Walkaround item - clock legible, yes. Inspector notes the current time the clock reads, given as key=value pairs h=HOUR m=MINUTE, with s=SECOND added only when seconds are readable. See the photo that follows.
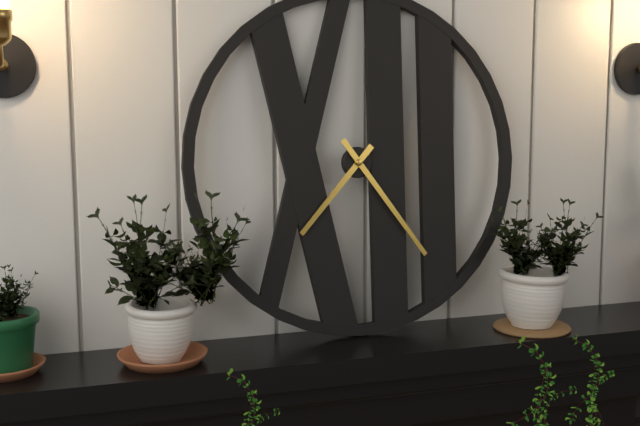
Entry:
h=7 m=24
